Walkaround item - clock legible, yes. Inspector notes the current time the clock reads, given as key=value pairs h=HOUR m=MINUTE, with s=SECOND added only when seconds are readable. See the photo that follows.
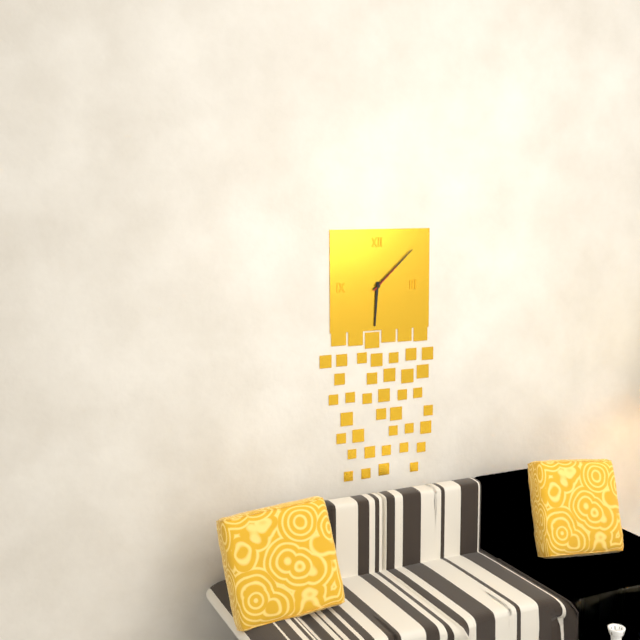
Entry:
h=6 m=8
